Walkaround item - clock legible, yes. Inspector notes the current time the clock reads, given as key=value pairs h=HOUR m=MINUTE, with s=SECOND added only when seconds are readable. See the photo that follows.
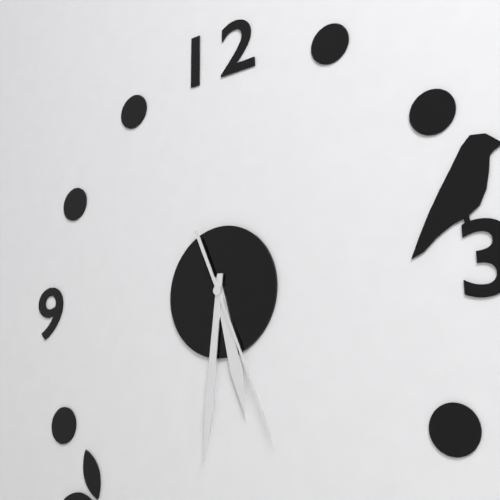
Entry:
h=5 m=31 s=26
